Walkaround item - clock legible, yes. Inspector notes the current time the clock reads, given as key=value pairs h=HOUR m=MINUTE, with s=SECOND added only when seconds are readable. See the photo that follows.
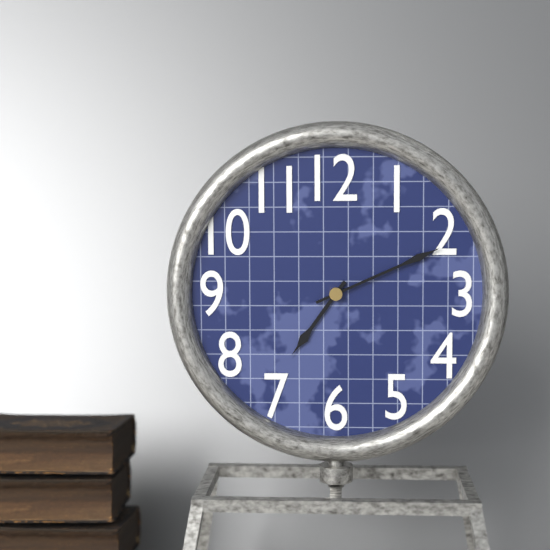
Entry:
h=7 m=11
